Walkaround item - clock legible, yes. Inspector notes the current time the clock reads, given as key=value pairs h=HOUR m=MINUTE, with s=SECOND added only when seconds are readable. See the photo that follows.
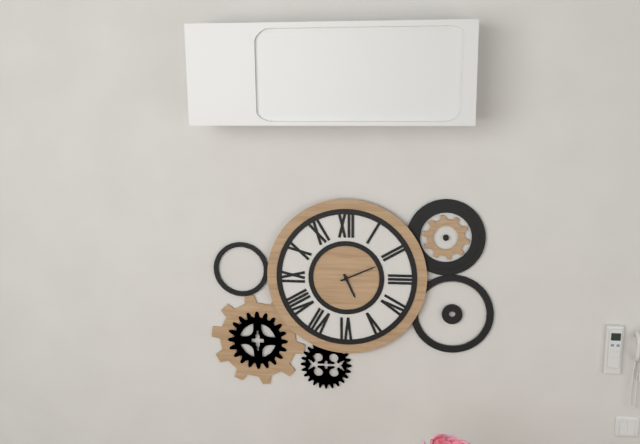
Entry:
h=5 m=11
